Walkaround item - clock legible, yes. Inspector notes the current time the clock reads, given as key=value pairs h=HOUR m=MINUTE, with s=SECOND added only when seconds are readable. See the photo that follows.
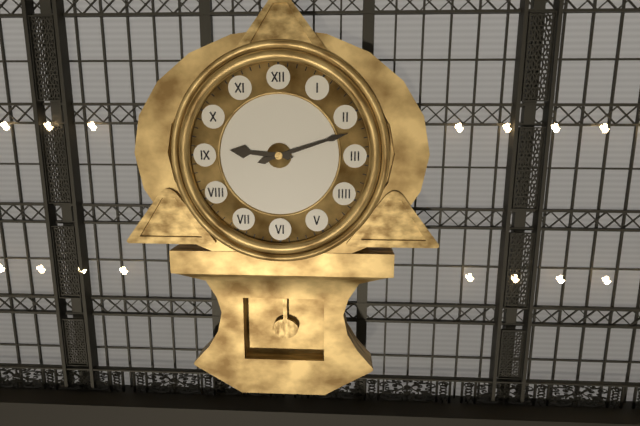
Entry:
h=9 m=12
